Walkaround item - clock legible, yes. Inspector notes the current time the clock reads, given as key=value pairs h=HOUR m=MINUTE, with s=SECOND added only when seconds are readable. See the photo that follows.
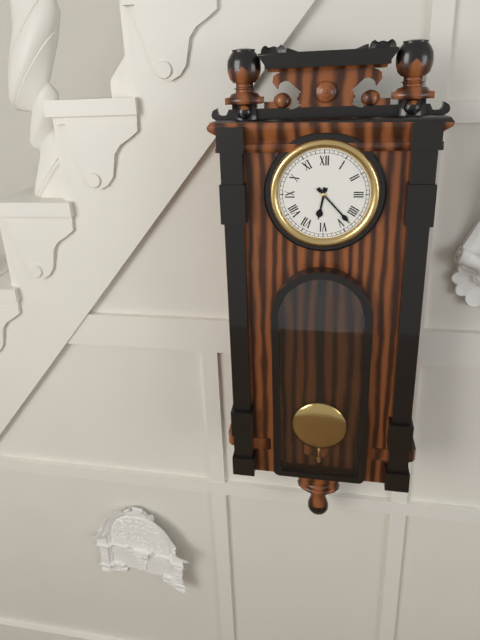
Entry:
h=6 m=23
